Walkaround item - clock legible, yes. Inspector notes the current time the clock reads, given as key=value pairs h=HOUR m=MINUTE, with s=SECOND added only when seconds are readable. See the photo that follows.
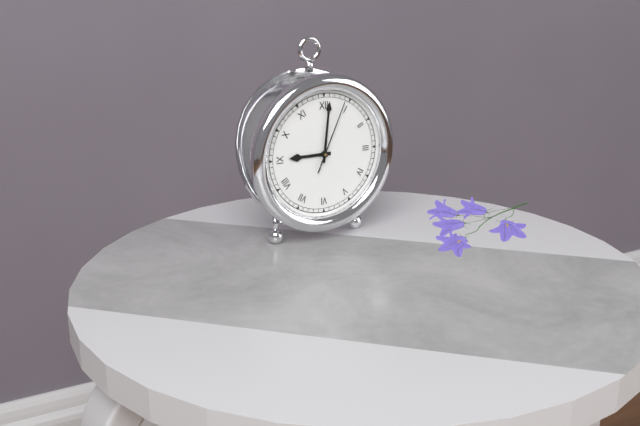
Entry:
h=9 m=1 s=4
